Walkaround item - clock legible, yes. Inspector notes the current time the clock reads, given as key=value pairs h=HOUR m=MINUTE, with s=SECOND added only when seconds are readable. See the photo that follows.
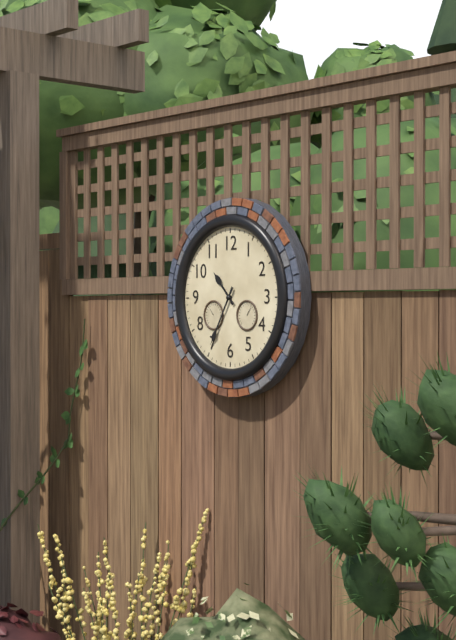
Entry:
h=10 m=35
